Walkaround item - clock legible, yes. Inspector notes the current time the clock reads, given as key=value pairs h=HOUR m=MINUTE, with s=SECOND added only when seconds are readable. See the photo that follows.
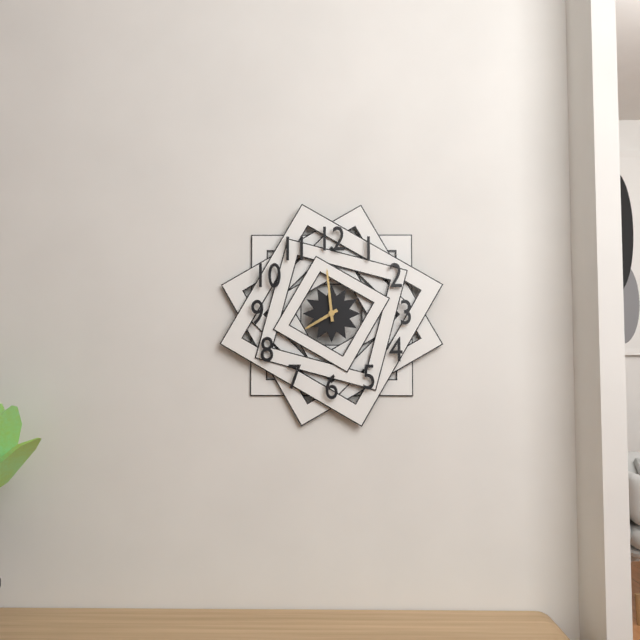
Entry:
h=7 m=59
